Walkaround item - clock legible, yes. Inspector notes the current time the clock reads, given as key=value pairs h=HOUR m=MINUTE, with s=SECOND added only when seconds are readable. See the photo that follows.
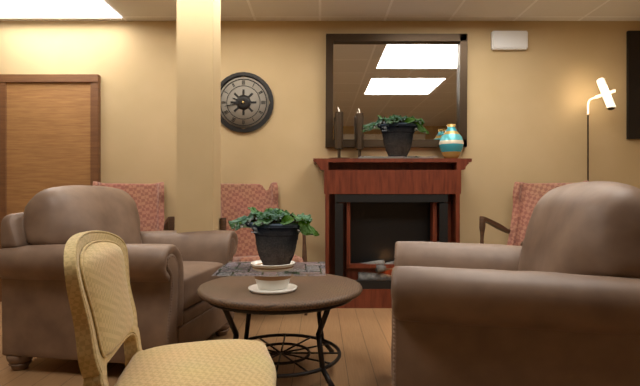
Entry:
h=9 m=43
